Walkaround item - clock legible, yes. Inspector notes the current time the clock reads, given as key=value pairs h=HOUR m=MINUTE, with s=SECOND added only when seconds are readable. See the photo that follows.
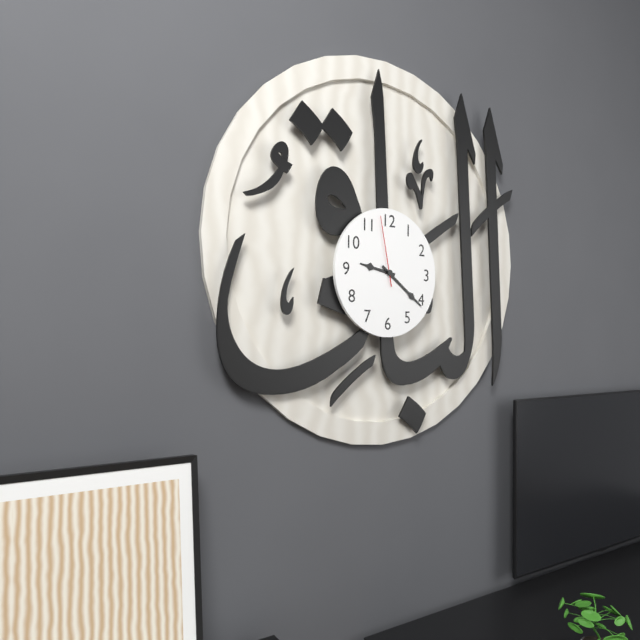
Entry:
h=9 m=21 s=58
